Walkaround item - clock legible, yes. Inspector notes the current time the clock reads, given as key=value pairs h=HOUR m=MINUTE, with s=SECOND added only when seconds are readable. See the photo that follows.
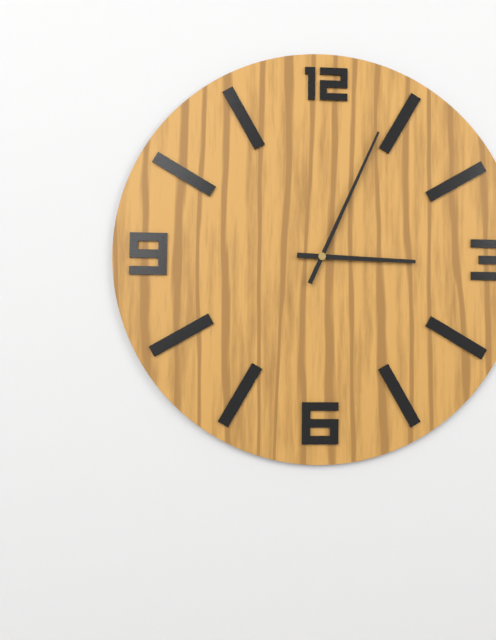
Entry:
h=3 m=4
